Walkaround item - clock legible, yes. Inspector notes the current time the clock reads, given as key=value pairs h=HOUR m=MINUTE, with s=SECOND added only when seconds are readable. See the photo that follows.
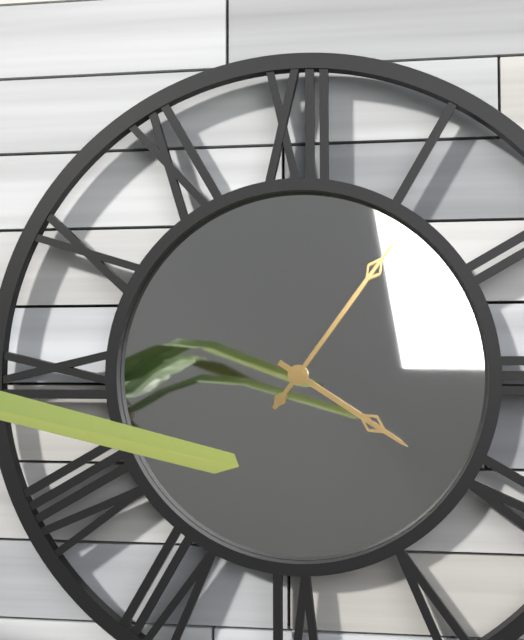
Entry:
h=4 m=6
